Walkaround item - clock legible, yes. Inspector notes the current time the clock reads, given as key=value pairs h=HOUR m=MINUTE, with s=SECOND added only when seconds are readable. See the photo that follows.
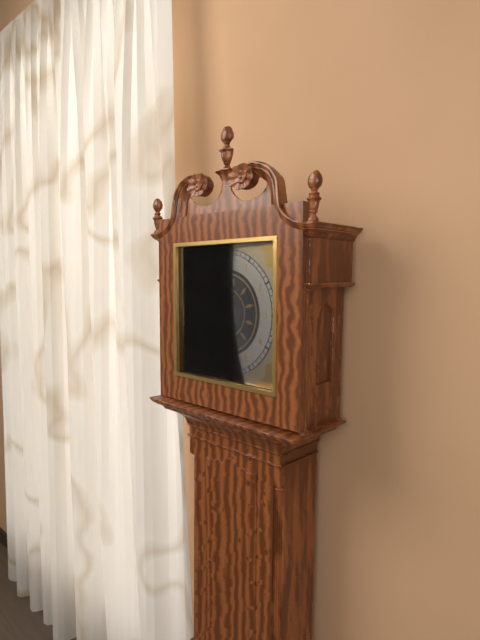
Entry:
h=7 m=31
